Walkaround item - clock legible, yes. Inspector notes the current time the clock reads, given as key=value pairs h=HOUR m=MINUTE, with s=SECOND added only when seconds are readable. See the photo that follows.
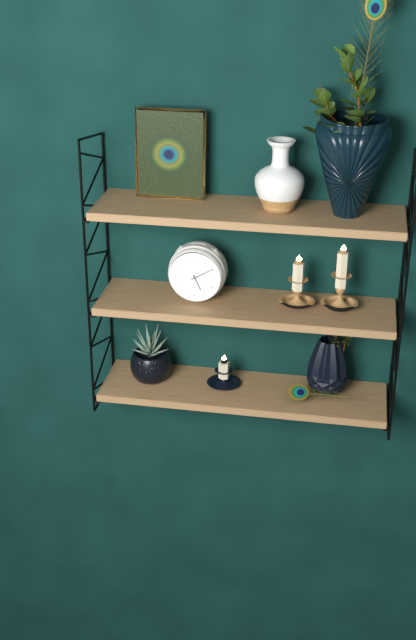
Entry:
h=5 m=10
